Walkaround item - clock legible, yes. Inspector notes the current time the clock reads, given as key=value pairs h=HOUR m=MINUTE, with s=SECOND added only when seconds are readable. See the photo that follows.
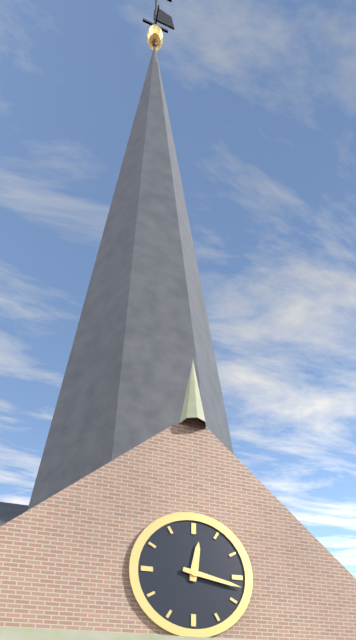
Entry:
h=12 m=17
